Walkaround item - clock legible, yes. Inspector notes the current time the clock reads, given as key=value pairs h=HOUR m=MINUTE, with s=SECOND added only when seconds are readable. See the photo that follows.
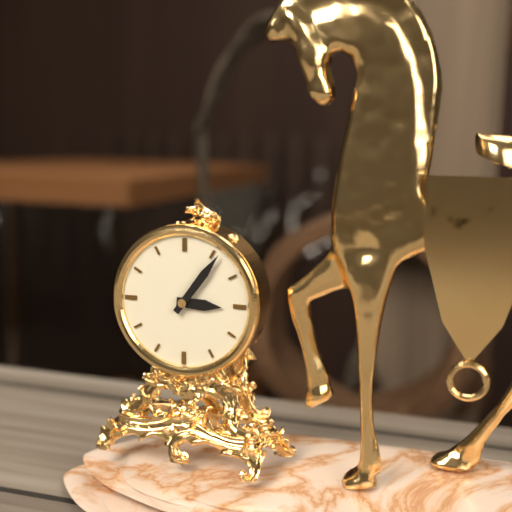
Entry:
h=3 m=6
